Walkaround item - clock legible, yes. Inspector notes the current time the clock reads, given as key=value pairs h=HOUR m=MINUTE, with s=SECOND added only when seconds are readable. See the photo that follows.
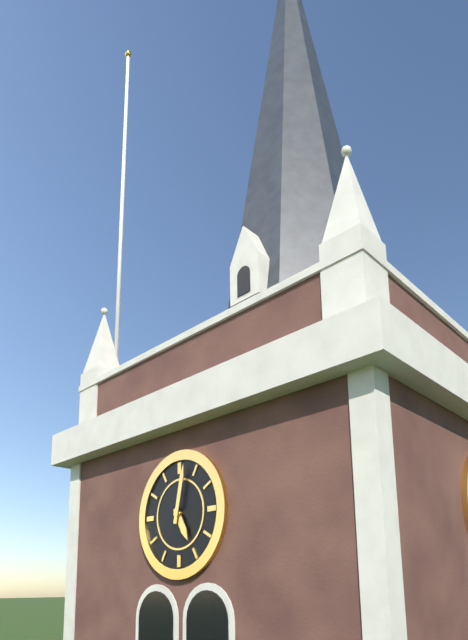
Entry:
h=5 m=2
